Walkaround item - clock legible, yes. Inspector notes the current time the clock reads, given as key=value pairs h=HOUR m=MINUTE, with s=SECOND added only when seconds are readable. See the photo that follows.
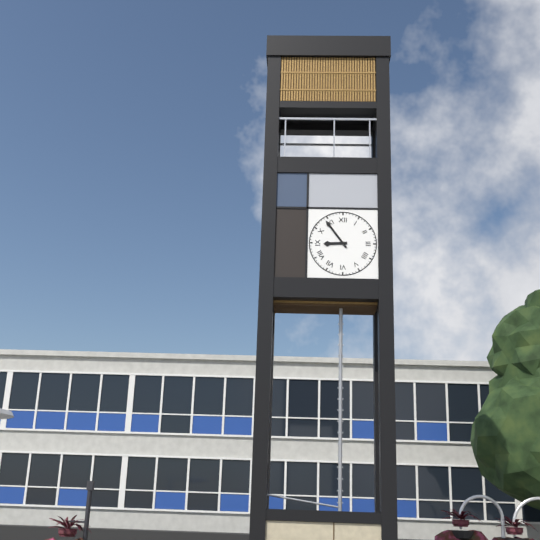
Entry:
h=8 m=54
